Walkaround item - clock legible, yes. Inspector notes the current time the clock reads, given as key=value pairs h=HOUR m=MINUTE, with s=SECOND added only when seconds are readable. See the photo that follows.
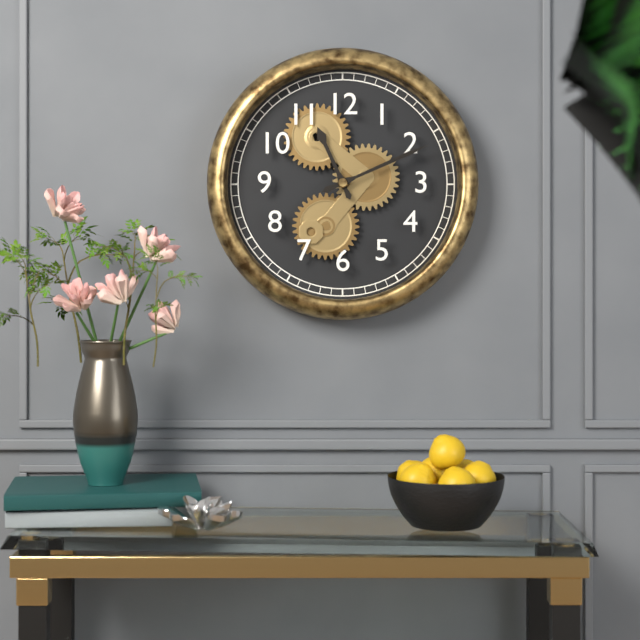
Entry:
h=11 m=11
